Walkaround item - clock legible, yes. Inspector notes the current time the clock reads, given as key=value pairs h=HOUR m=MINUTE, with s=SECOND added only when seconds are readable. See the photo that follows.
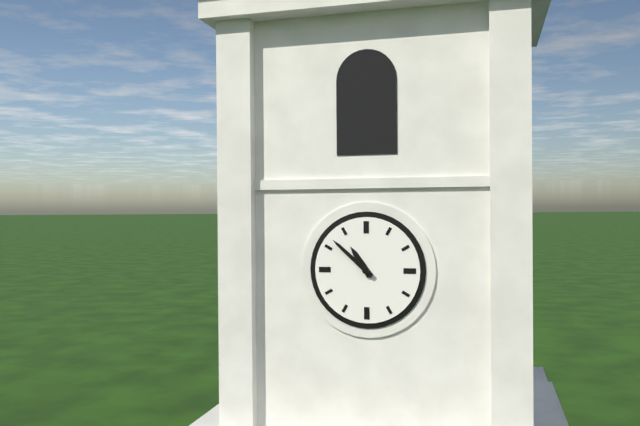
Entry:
h=10 m=52
